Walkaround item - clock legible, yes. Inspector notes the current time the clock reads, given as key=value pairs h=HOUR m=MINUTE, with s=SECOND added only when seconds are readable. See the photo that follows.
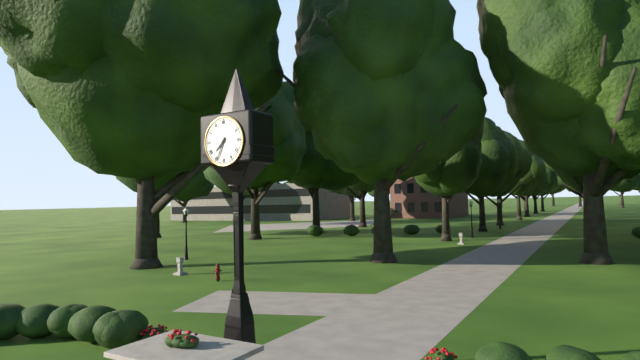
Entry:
h=7 m=34
